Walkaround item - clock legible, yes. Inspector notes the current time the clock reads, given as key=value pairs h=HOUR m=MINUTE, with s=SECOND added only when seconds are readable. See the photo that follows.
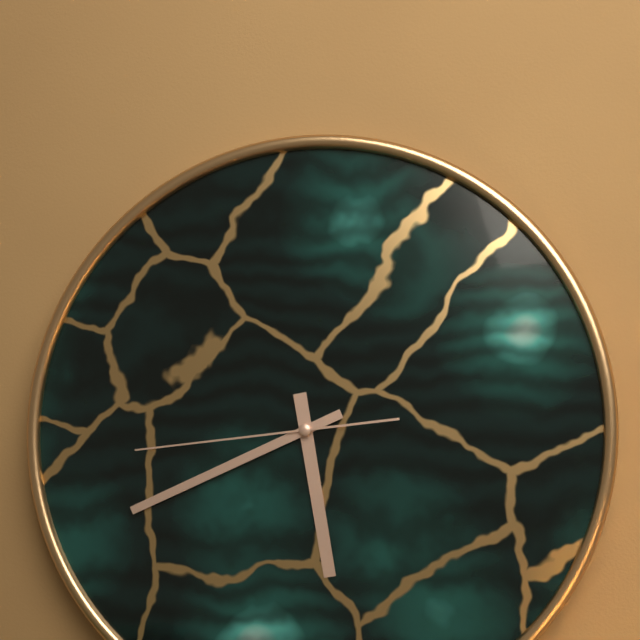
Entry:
h=5 m=41 s=44
